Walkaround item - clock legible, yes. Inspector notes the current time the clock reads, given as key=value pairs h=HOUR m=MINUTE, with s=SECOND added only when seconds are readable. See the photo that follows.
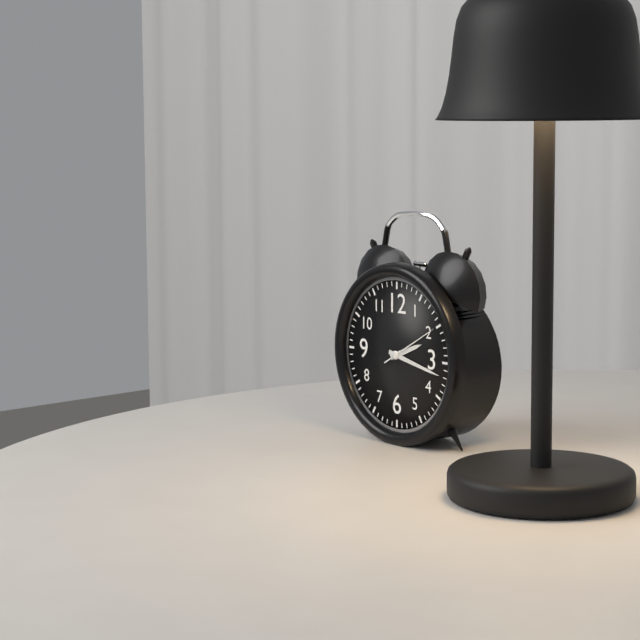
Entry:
h=2 m=17 s=10
